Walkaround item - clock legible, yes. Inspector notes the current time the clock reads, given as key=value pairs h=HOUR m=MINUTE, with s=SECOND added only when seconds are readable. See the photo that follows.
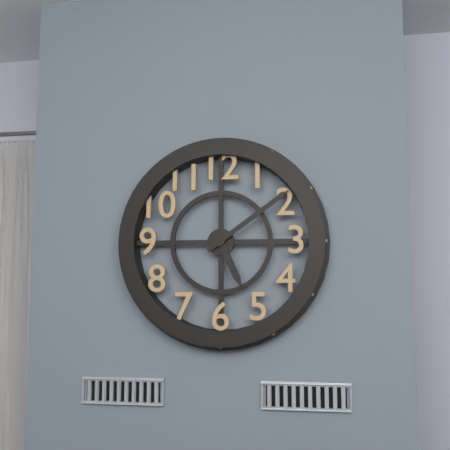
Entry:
h=5 m=9
